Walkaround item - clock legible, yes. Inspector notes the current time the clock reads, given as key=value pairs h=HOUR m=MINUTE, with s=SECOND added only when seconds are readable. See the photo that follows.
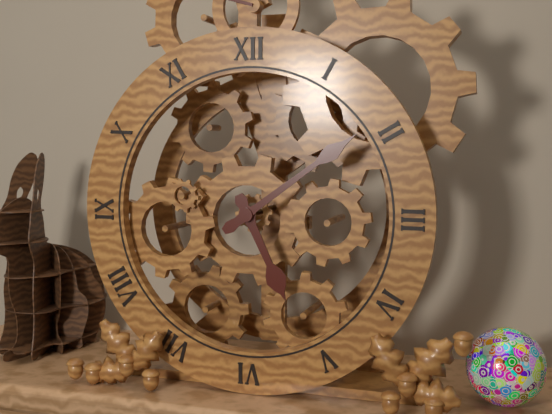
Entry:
h=5 m=9
